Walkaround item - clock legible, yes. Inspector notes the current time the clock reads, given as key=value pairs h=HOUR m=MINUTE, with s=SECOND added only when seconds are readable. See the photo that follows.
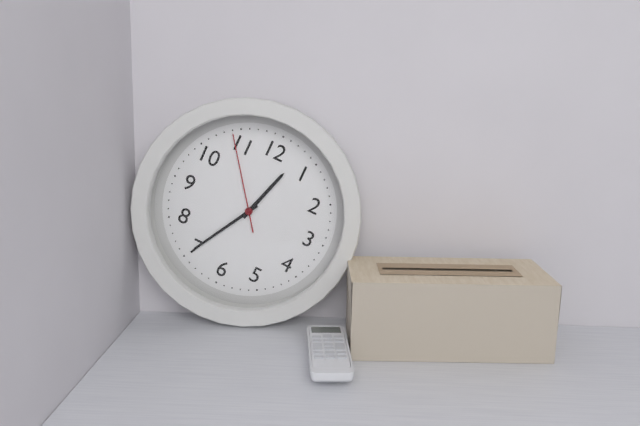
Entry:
h=12 m=35 s=54
